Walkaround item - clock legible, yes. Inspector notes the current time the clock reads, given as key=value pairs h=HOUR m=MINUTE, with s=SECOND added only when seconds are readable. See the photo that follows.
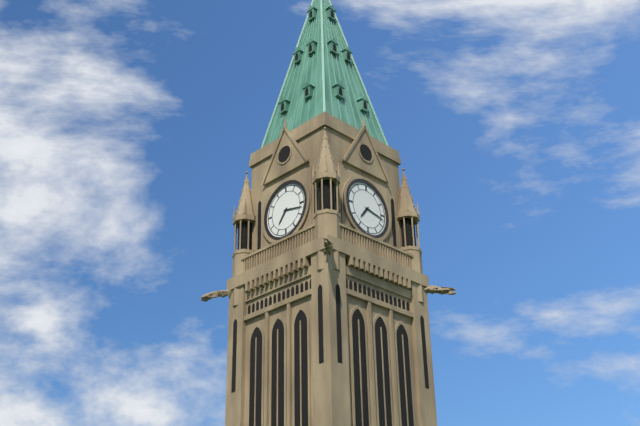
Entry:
h=7 m=17
